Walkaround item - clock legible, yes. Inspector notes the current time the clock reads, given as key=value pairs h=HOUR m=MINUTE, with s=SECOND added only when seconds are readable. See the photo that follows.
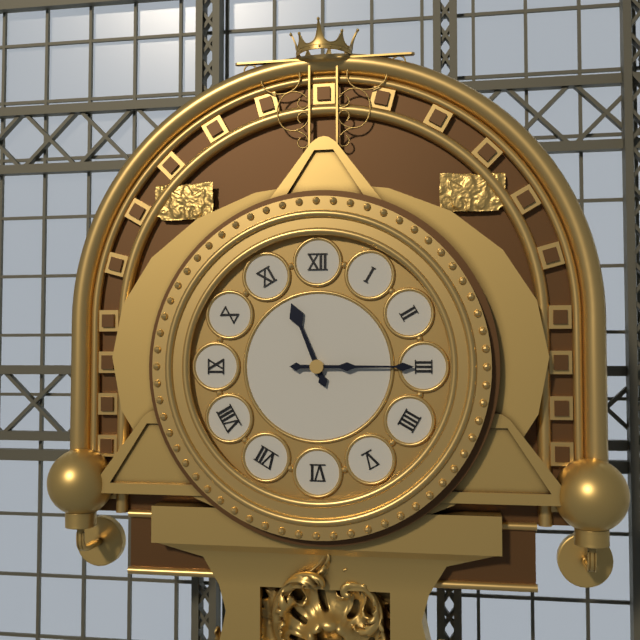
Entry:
h=11 m=15
